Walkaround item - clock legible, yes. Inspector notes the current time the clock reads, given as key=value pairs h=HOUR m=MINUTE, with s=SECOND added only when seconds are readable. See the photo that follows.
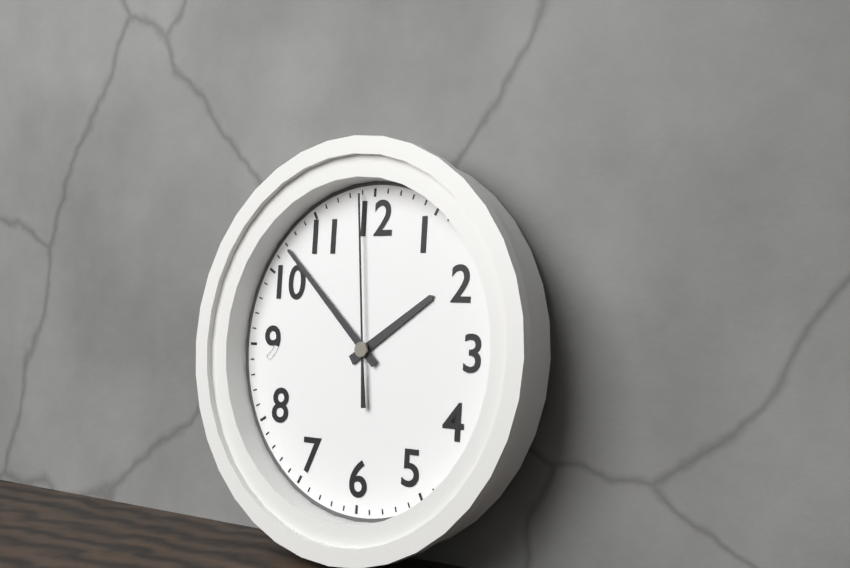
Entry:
h=1 m=52 s=59
